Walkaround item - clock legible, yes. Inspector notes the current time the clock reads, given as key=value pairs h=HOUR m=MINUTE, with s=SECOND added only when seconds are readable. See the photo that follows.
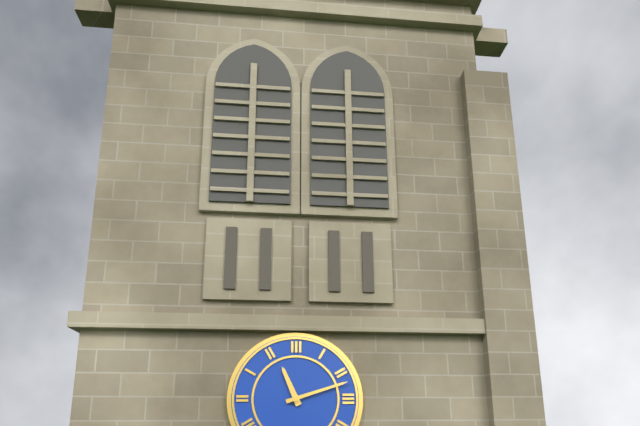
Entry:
h=11 m=12
